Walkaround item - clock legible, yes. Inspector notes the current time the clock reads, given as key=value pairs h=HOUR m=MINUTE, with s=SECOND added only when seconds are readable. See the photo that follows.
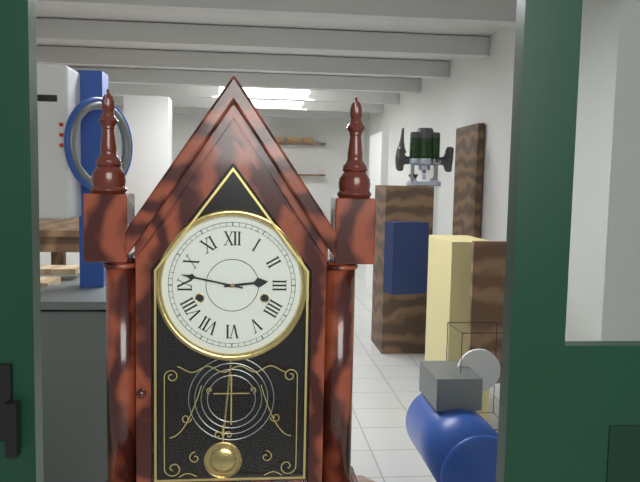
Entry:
h=2 m=47
